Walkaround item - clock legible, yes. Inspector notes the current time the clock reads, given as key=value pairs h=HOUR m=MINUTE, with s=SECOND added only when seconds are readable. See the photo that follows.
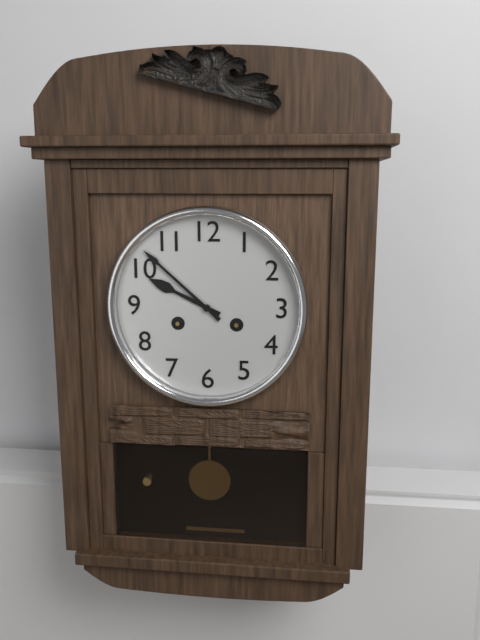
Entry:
h=9 m=52
